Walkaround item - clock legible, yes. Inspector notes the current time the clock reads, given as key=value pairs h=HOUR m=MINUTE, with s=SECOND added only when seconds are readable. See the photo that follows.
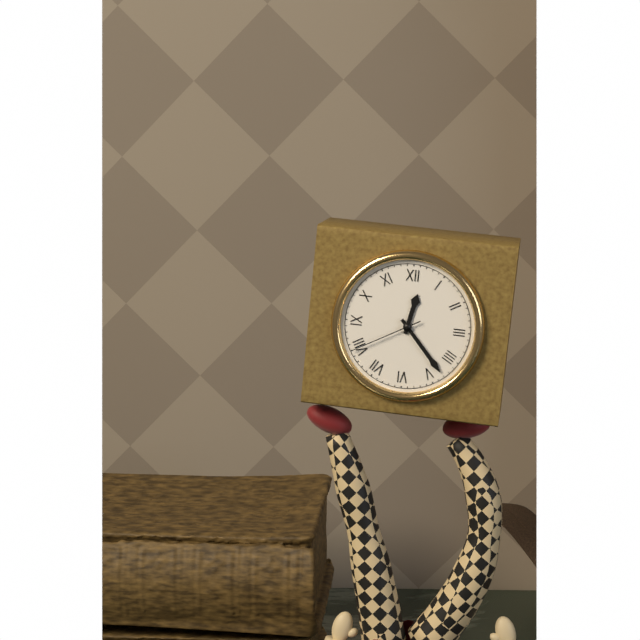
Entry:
h=12 m=23 s=40
